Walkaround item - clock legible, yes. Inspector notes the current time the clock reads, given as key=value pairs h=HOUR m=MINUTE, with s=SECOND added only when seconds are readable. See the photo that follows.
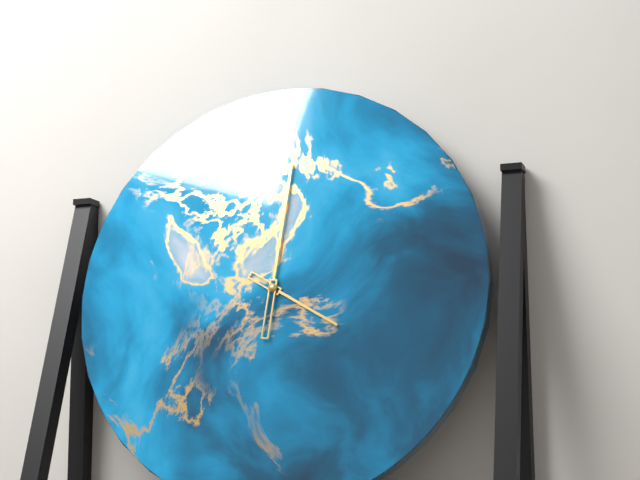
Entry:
h=4 m=1
